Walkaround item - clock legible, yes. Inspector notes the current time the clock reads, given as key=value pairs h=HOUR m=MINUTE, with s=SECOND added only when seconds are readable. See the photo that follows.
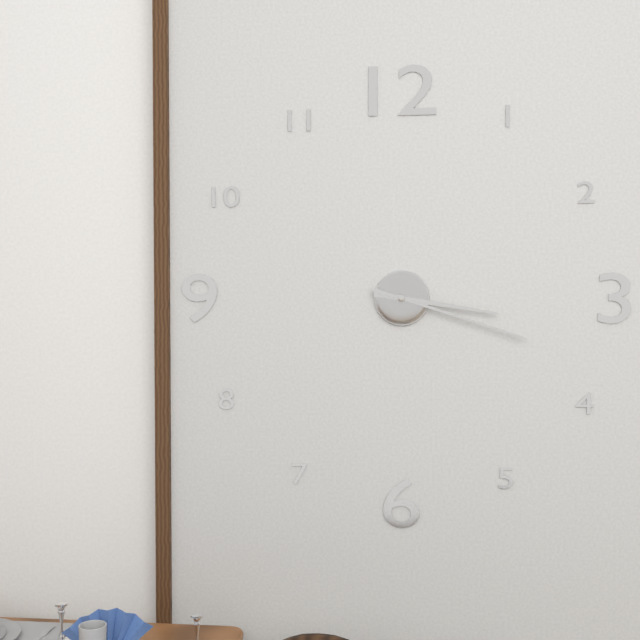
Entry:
h=3 m=18
